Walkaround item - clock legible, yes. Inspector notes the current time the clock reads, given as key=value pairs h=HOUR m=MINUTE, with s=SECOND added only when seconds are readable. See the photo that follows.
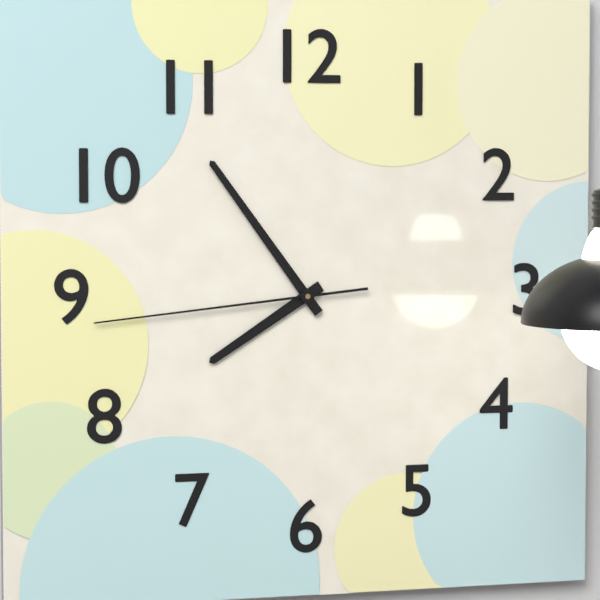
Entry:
h=7 m=54 s=44
